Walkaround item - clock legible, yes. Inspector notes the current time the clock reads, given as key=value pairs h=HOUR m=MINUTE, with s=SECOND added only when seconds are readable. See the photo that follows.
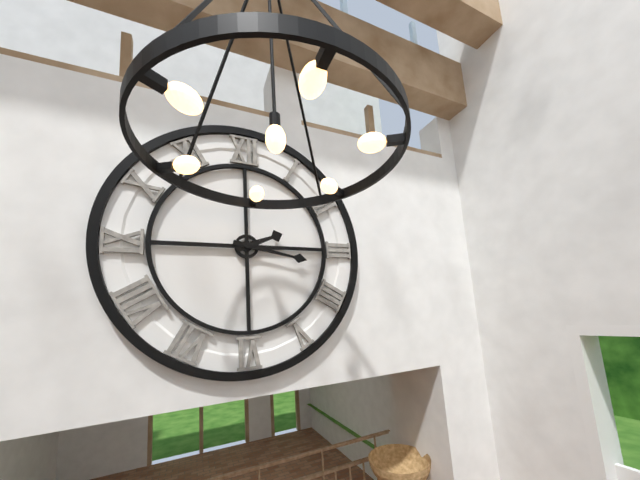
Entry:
h=2 m=17
